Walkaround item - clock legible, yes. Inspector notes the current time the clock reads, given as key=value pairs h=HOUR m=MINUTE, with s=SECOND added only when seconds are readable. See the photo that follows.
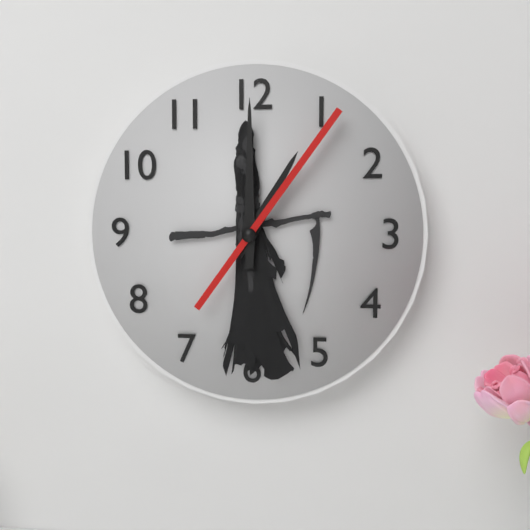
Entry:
h=1 m=0 s=6
